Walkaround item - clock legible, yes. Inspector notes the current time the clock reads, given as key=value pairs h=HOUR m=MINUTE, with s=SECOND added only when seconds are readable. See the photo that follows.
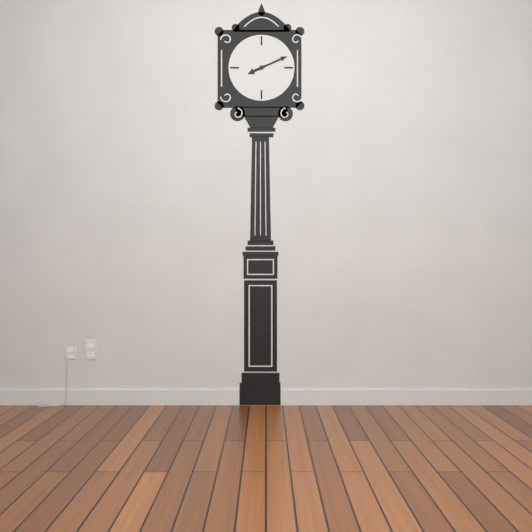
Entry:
h=8 m=11
